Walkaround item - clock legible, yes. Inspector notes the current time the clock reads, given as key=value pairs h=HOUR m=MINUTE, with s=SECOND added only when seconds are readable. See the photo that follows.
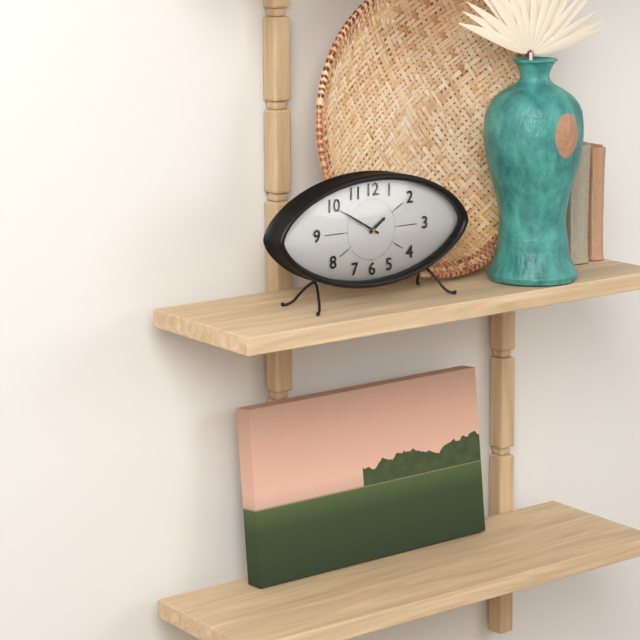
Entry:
h=1 m=50
